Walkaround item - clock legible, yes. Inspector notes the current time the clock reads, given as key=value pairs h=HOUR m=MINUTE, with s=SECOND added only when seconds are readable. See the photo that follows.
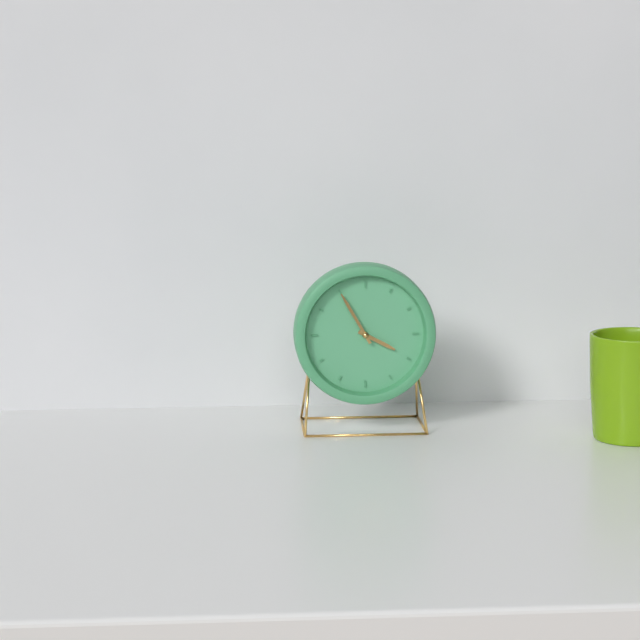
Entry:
h=3 m=55
